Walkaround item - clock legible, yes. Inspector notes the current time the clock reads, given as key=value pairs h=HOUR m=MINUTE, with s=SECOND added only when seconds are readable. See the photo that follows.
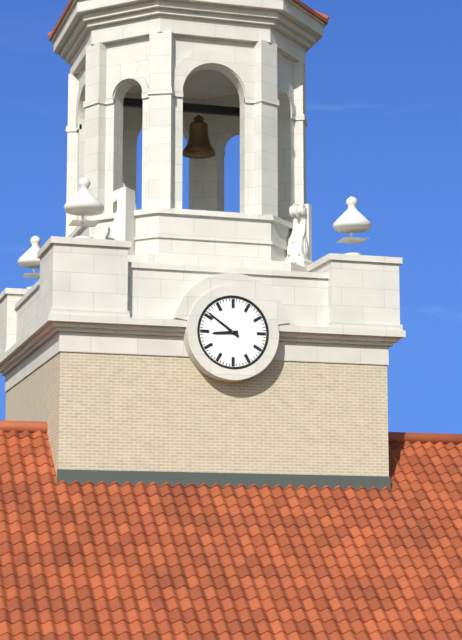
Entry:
h=8 m=51
